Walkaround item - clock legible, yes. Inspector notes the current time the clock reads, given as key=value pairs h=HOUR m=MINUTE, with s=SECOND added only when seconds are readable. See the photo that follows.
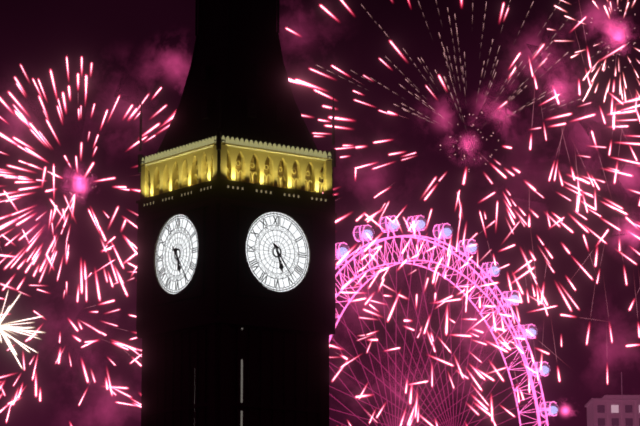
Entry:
h=5 m=24
